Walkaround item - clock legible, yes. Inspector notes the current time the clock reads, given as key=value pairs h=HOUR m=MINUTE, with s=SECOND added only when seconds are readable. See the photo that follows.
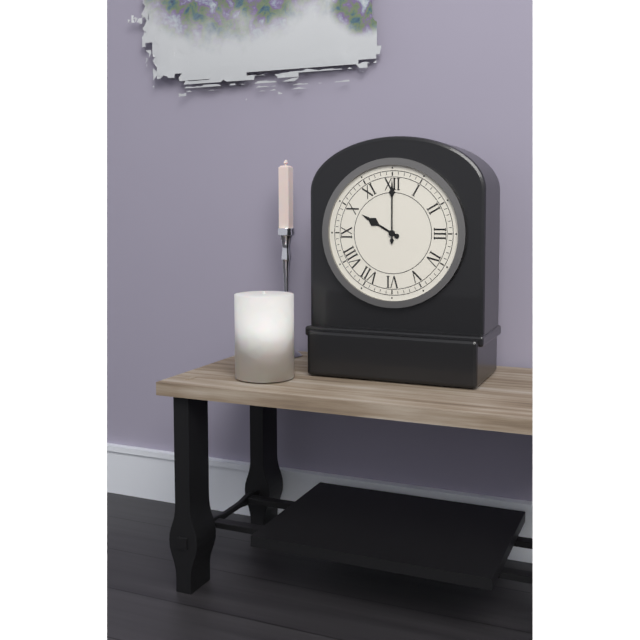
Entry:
h=10 m=0
